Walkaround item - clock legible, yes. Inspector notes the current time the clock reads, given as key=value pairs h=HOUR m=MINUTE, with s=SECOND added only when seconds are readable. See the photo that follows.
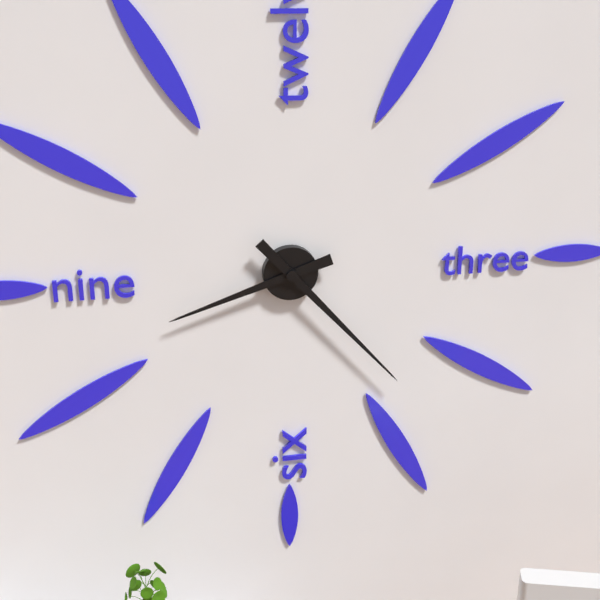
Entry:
h=8 m=23
